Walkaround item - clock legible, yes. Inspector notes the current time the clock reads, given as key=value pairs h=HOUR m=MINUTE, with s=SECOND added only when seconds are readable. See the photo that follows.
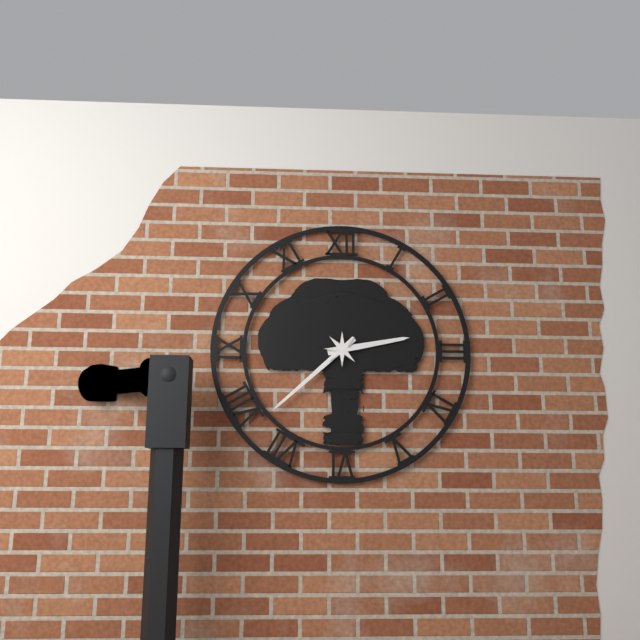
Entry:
h=2 m=38
